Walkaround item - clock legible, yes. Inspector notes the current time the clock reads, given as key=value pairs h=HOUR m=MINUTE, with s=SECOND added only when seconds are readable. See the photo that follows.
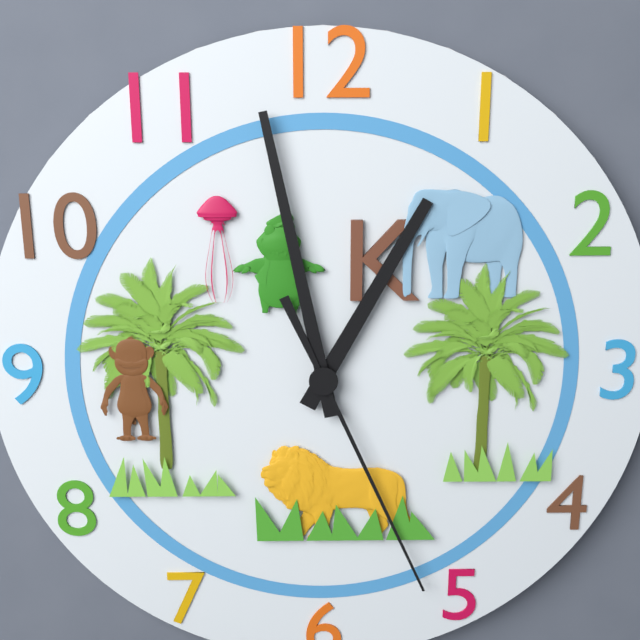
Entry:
h=12 m=58 s=26
